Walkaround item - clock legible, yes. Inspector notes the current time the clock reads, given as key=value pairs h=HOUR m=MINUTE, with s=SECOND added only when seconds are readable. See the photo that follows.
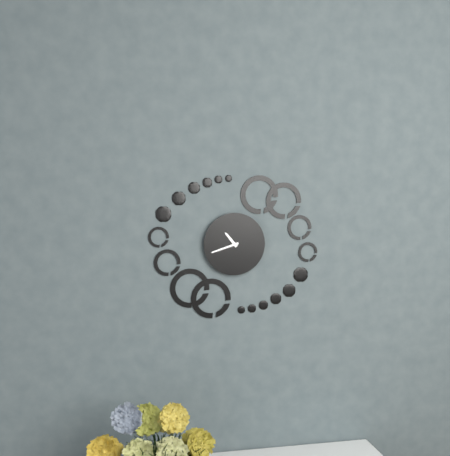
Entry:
h=10 m=42
